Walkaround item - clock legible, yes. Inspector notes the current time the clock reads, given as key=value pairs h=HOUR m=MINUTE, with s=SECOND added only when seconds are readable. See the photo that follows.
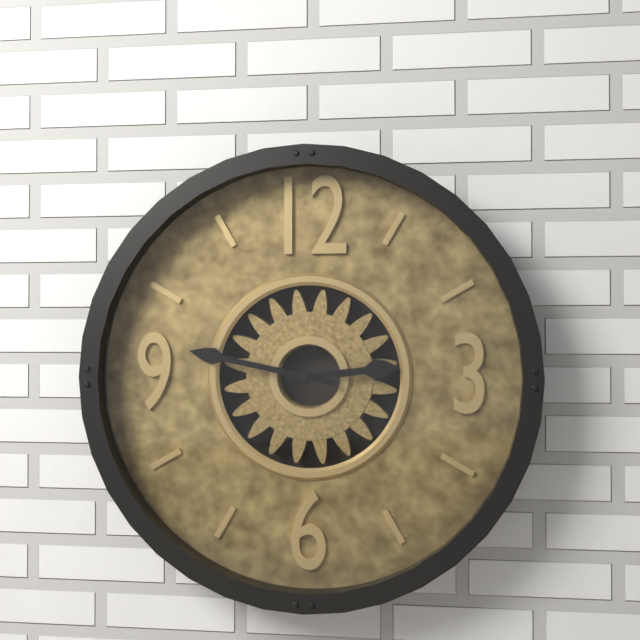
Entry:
h=2 m=47
